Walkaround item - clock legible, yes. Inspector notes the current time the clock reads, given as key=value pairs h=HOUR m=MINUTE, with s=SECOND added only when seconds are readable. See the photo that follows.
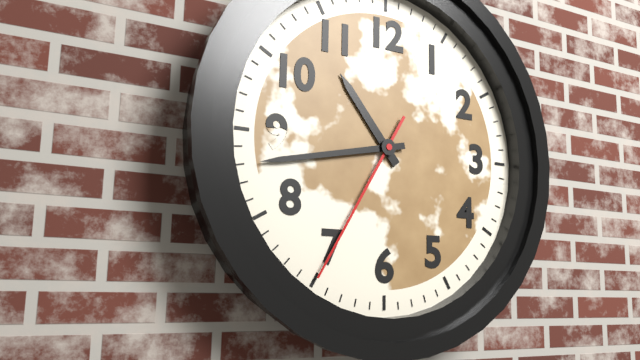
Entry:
h=10 m=43 s=35
